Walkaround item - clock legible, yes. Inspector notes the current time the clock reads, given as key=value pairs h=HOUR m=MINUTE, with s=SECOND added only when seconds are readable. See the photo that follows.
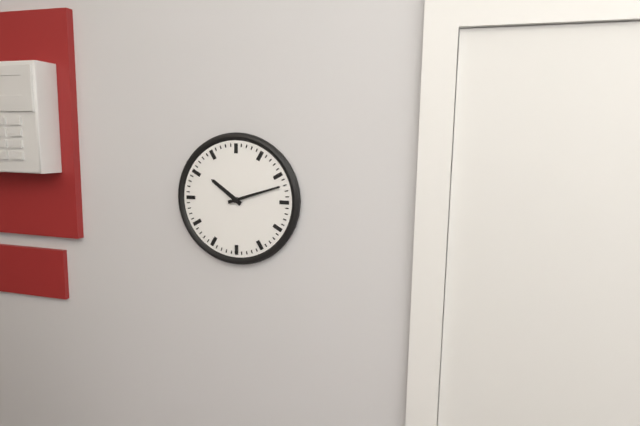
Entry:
h=10 m=12
